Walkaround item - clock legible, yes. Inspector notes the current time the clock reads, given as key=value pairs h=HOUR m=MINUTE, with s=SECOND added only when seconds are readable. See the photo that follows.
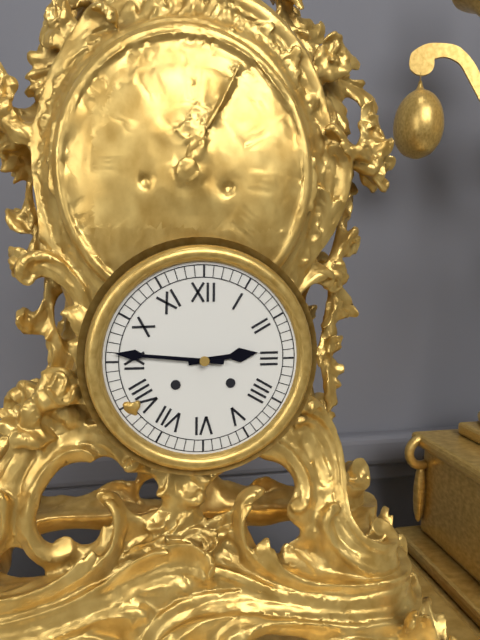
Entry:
h=2 m=46
